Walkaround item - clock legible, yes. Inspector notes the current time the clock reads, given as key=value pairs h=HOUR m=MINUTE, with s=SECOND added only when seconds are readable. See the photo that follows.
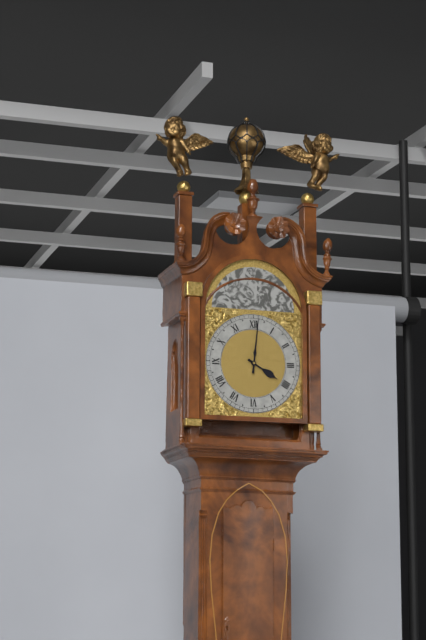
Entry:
h=4 m=1
